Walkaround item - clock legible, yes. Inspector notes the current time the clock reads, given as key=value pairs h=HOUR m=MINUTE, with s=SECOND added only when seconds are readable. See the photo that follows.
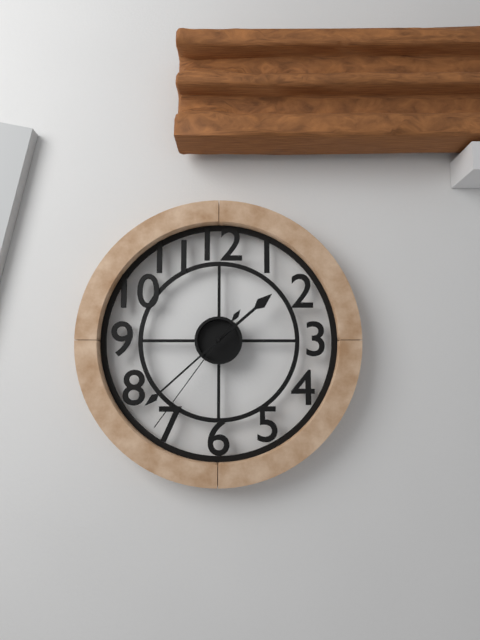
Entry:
h=1 m=38 s=36
